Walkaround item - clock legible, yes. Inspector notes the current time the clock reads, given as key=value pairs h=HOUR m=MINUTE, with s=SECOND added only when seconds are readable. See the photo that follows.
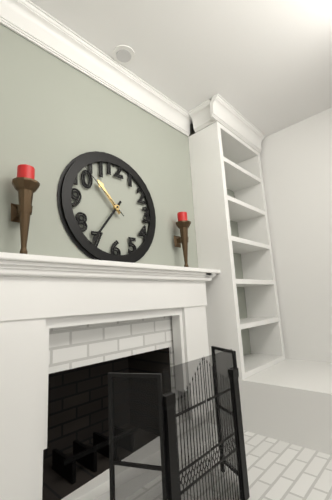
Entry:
h=10 m=36 s=52
